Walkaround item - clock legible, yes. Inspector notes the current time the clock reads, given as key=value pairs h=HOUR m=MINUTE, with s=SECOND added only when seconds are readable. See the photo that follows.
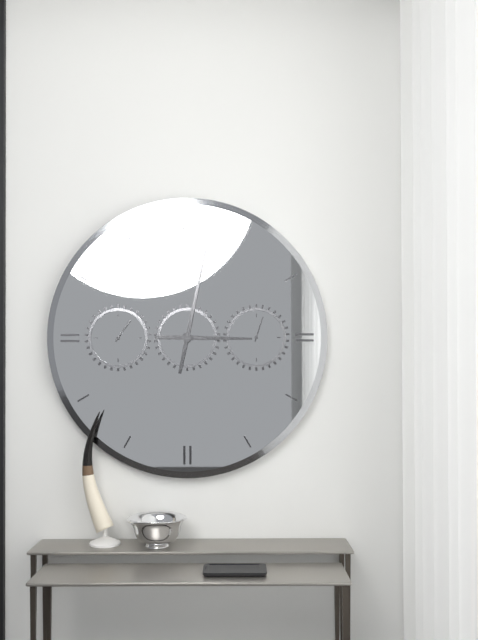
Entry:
h=3 m=2
